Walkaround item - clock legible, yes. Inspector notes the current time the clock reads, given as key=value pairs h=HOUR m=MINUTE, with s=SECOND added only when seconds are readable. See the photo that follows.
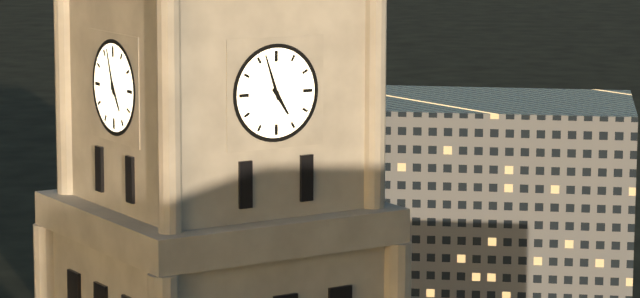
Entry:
h=4 m=57
